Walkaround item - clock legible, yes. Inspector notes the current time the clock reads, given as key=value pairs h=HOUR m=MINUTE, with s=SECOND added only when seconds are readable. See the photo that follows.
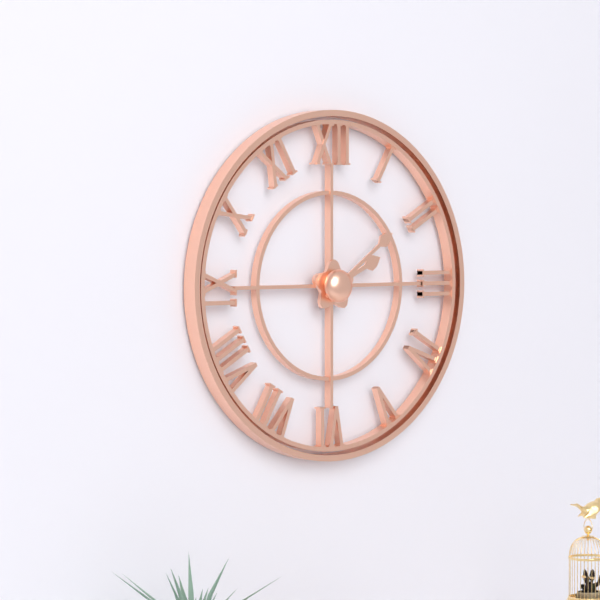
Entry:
h=2 m=9
